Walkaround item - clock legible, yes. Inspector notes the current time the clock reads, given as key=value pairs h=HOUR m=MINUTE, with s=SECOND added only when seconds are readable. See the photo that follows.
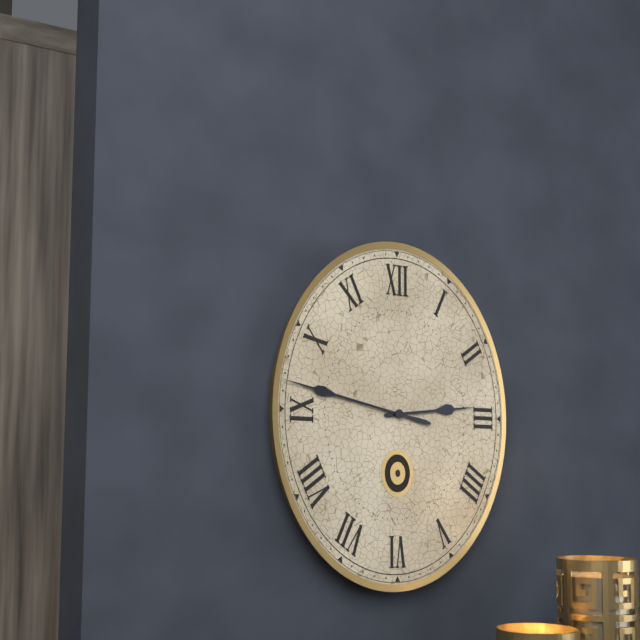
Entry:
h=2 m=47
